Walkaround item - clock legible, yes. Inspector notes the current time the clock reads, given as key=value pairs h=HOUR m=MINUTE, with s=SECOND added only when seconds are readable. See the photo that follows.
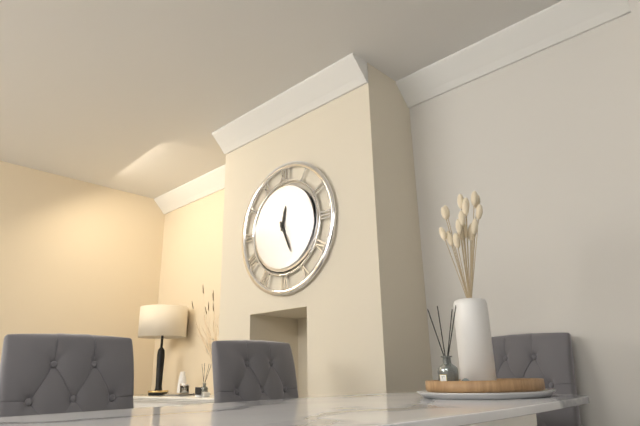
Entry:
h=12 m=26
